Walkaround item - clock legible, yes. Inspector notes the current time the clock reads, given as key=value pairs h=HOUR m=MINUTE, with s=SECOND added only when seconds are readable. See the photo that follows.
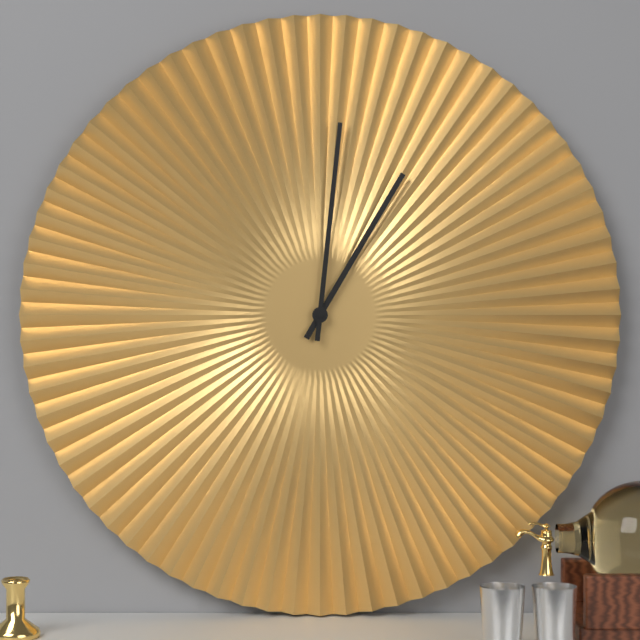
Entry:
h=1 m=1
